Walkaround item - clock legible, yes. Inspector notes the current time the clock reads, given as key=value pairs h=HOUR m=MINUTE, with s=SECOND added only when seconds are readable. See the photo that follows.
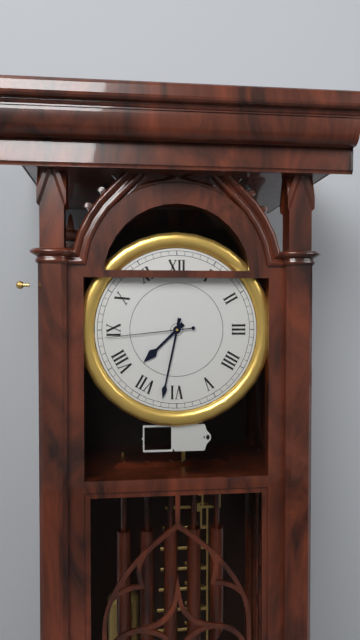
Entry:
h=7 m=32 s=44
